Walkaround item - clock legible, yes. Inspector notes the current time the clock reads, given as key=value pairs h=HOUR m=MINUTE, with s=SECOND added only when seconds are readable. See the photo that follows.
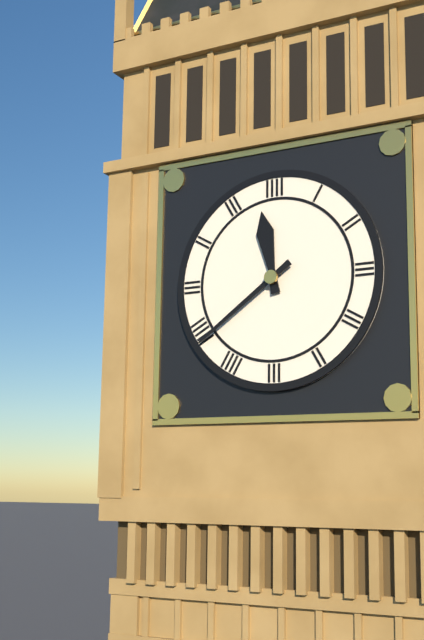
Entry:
h=11 m=39
